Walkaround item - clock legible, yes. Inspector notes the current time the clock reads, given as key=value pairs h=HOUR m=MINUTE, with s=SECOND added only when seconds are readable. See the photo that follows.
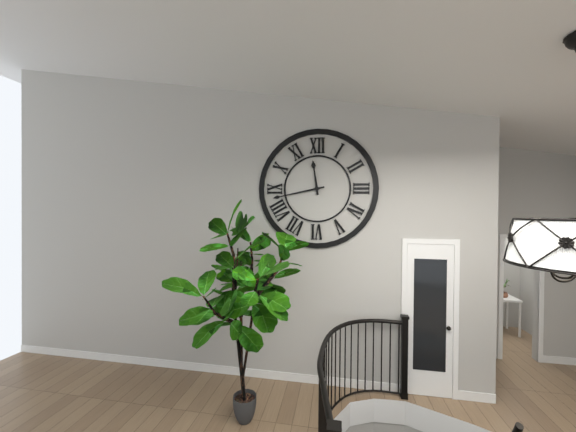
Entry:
h=11 m=43
